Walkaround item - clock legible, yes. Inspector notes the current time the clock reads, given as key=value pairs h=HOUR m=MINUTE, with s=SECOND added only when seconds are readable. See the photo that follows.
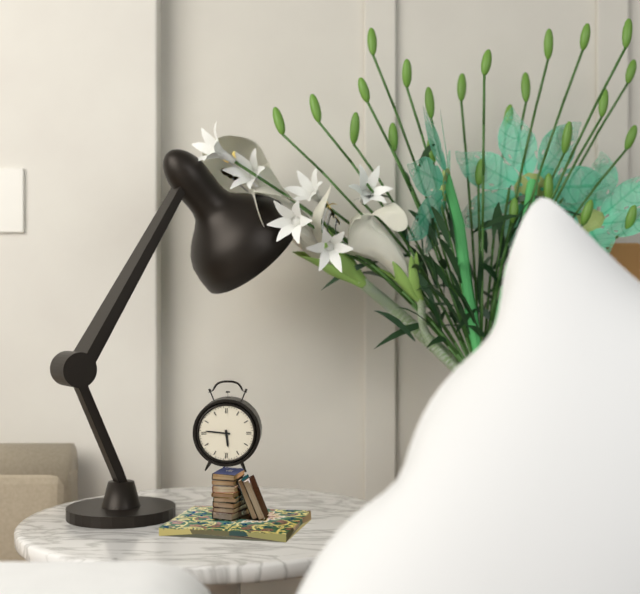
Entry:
h=5 m=46
